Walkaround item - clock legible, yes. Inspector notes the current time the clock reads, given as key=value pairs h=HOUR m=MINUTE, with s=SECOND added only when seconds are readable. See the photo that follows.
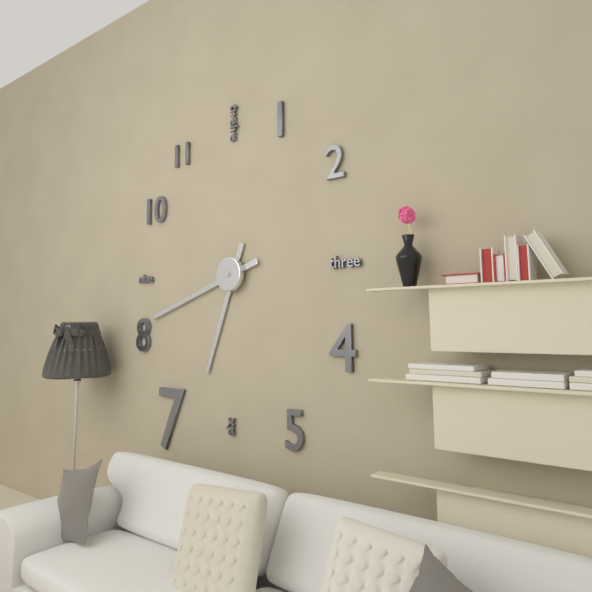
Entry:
h=6 m=42
